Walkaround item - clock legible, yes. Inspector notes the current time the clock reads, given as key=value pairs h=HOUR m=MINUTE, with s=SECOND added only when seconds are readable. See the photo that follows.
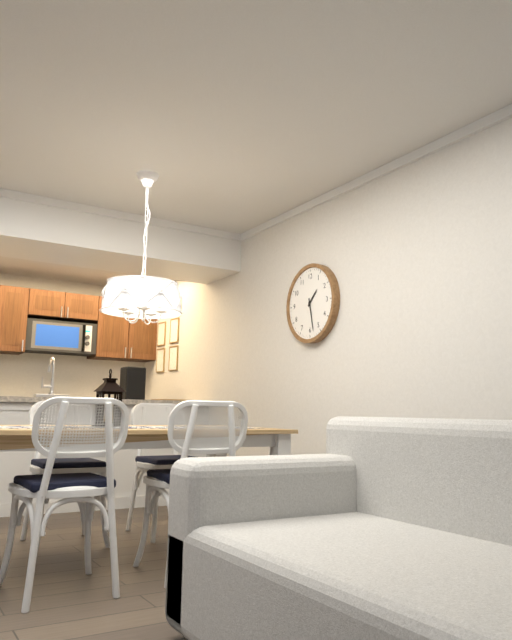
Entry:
h=1 m=28
